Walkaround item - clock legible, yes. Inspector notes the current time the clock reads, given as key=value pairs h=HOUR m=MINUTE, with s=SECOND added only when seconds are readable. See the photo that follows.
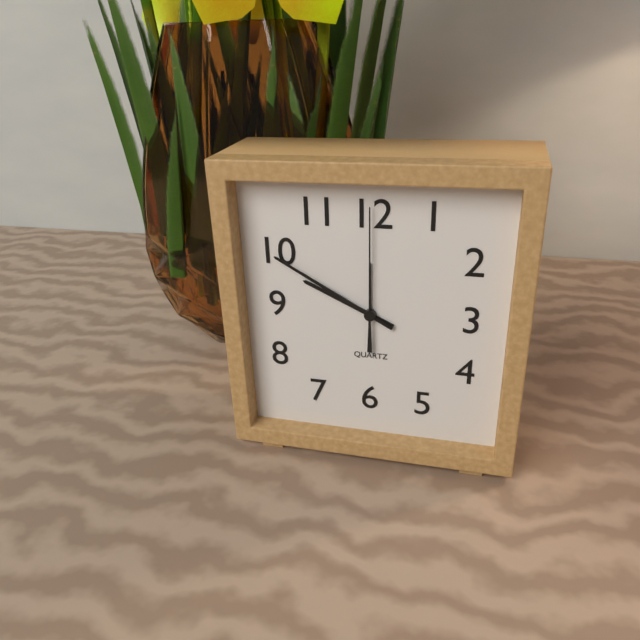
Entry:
h=9 m=50 s=0
